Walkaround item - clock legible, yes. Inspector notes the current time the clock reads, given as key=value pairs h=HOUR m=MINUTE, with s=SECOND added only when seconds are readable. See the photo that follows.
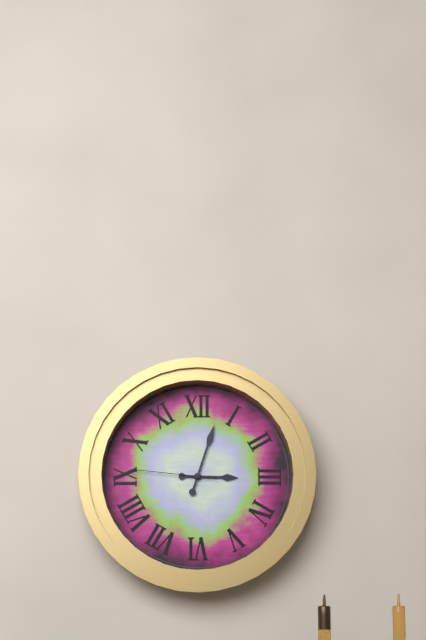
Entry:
h=3 m=3 s=46
